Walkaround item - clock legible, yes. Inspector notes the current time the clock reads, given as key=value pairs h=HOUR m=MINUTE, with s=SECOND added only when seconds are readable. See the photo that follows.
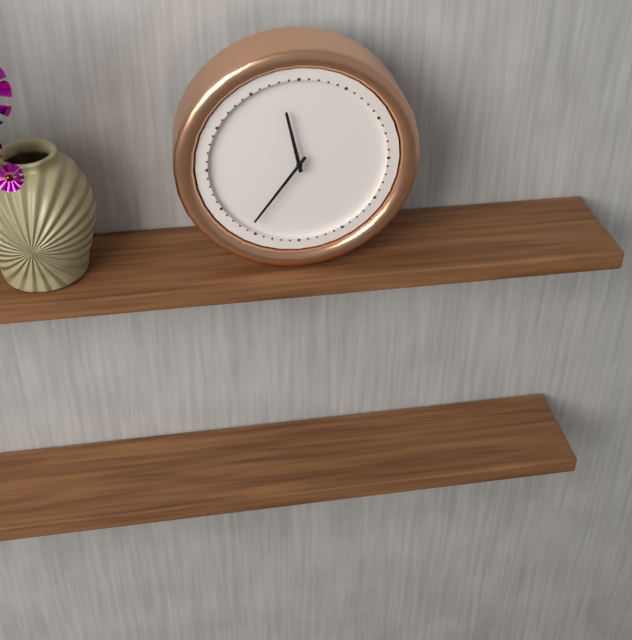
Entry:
h=11 m=36
